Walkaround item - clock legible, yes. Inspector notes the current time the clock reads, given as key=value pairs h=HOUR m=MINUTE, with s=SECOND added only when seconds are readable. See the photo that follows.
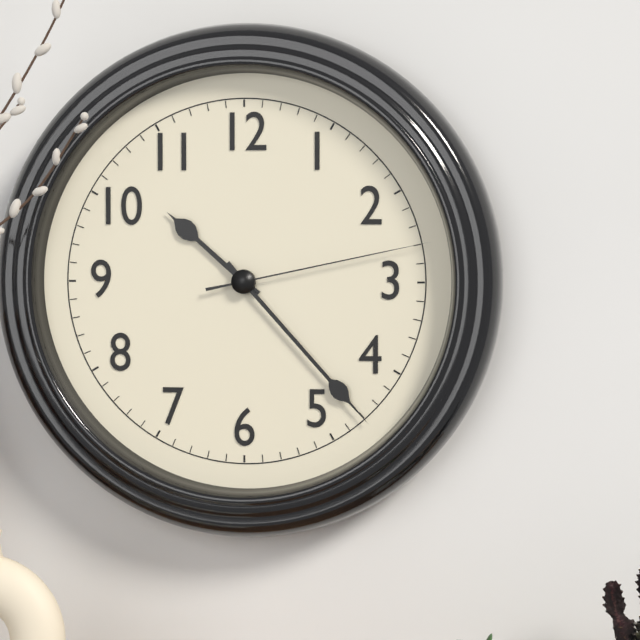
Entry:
h=10 m=23 s=13
